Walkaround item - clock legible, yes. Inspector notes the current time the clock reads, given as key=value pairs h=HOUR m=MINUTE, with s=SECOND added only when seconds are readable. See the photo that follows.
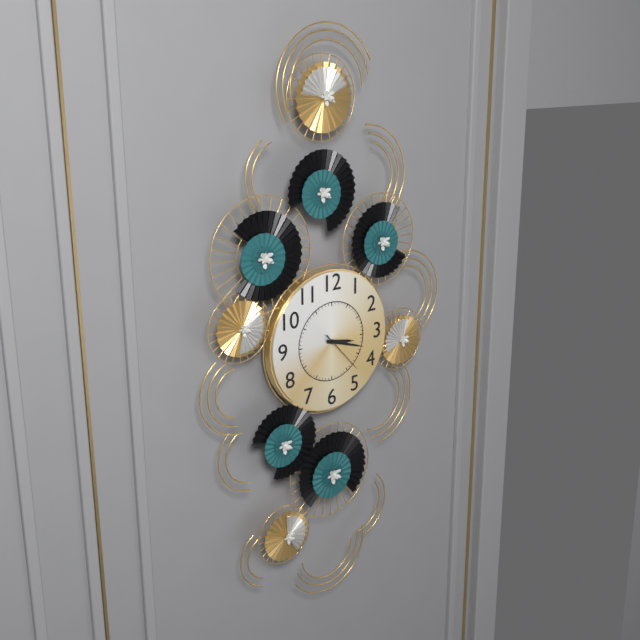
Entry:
h=3 m=18
